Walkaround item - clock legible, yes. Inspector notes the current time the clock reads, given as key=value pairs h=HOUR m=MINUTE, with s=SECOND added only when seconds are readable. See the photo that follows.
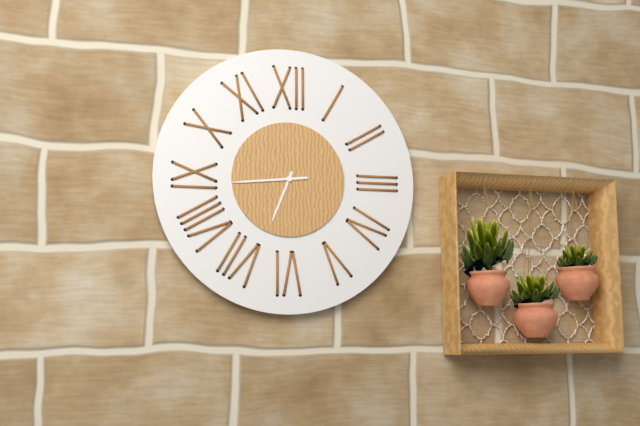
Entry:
h=6 m=44
